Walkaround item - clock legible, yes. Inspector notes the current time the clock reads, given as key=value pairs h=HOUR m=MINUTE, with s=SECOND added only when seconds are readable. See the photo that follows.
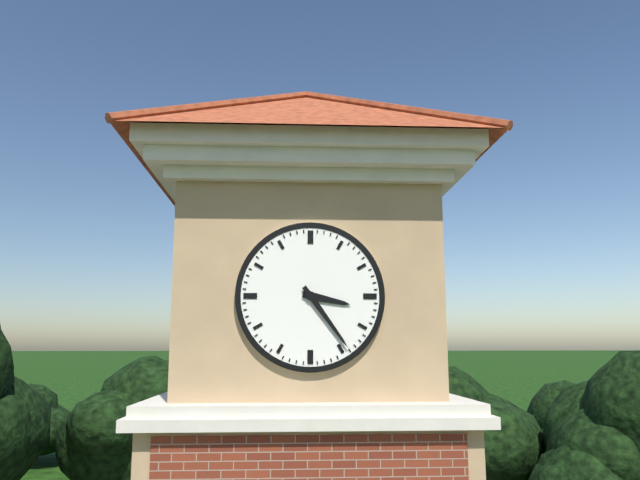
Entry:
h=3 m=24
